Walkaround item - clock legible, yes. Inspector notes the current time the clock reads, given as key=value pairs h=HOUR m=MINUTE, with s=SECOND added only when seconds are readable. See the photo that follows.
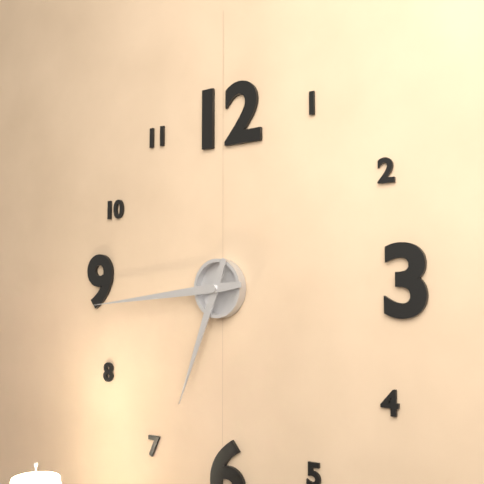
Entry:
h=6 m=44
